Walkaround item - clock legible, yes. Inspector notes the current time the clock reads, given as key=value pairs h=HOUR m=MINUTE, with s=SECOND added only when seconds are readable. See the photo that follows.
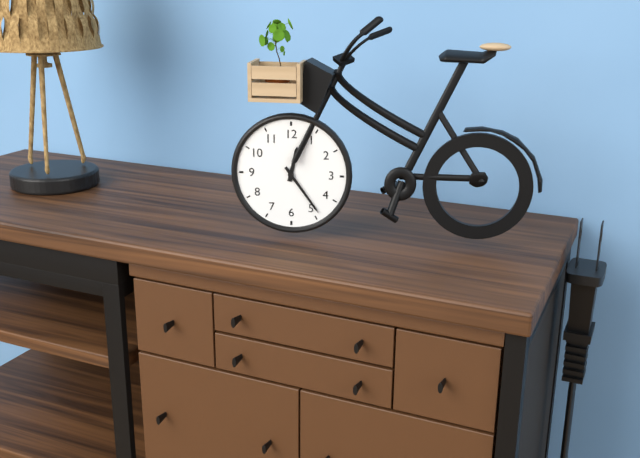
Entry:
h=12 m=24
